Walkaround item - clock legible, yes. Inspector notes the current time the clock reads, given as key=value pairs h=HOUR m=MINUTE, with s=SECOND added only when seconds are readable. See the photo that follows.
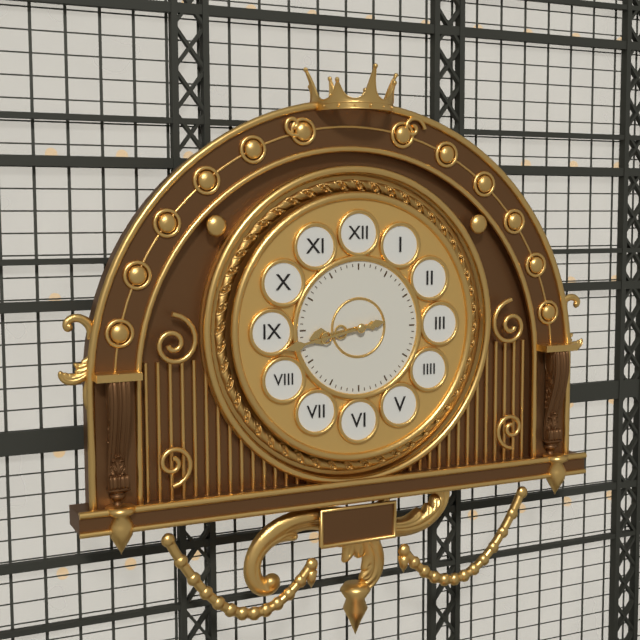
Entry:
h=8 m=43
